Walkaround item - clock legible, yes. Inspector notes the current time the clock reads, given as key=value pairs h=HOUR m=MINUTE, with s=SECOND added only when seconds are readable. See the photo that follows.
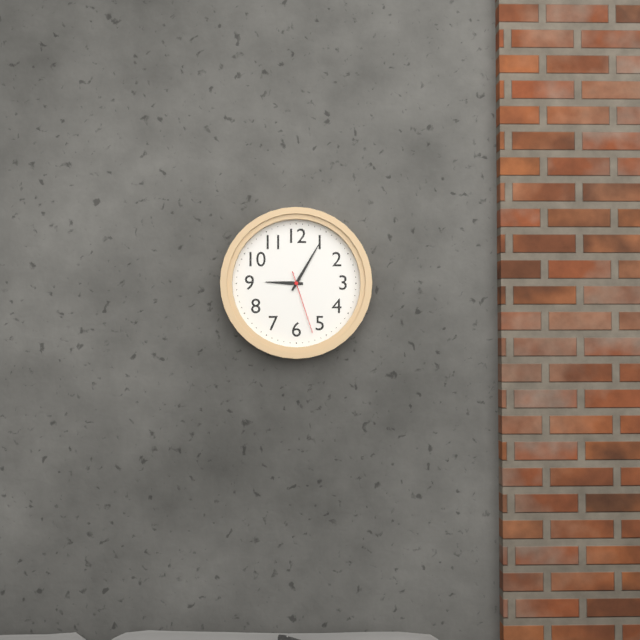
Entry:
h=9 m=5 s=27
